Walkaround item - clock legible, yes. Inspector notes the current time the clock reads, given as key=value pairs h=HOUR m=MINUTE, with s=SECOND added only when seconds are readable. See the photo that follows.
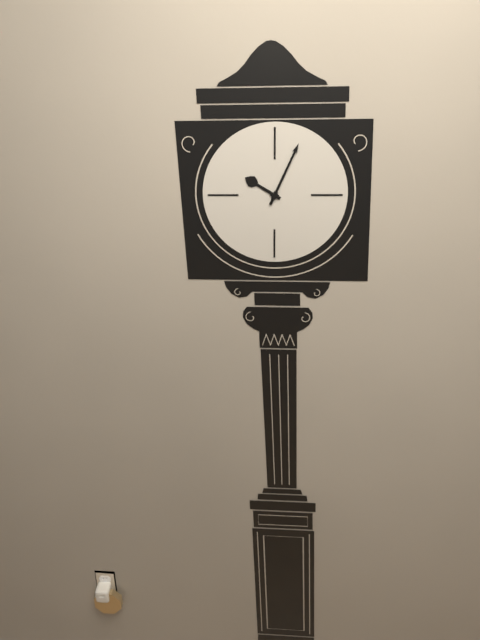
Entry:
h=10 m=4
